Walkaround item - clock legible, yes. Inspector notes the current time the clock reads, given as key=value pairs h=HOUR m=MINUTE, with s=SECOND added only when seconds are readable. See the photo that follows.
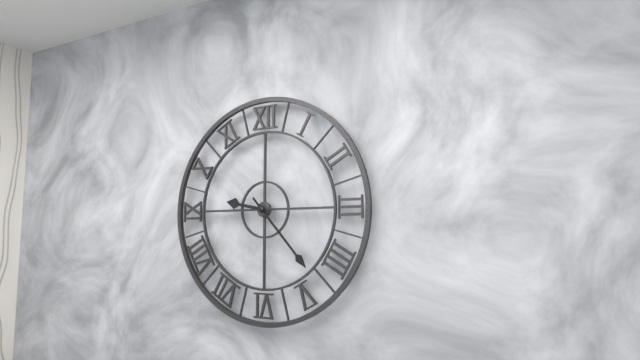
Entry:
h=9 m=23
